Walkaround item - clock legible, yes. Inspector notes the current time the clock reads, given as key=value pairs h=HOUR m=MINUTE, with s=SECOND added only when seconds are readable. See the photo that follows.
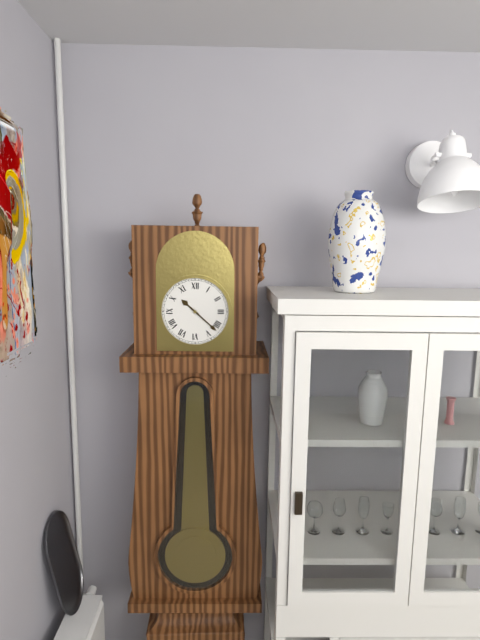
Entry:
h=10 m=22
